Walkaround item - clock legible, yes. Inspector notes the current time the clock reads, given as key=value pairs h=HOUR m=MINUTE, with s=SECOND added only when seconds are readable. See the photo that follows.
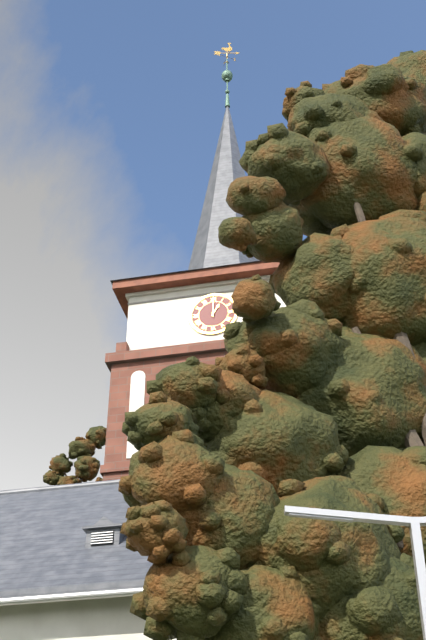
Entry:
h=1 m=0
